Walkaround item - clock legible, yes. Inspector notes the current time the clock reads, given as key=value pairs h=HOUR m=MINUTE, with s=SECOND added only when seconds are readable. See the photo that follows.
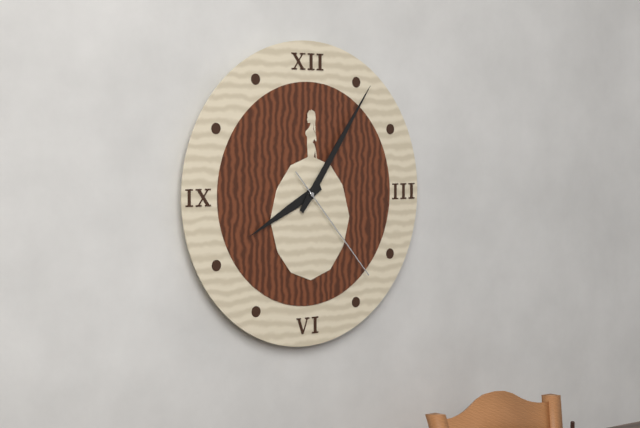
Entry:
h=8 m=6 s=23
